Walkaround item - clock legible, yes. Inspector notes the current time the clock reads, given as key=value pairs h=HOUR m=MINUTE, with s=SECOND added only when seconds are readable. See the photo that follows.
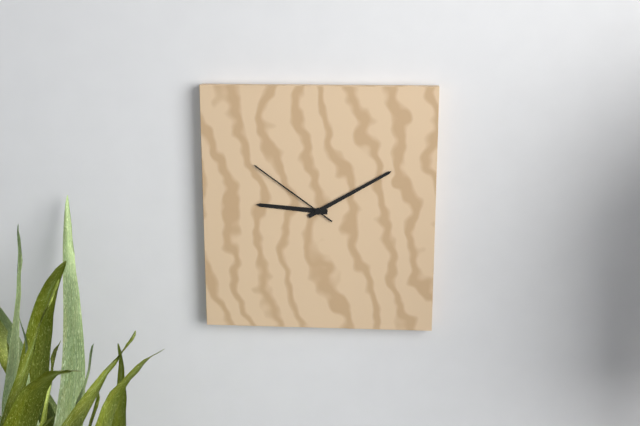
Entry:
h=9 m=10 s=51
